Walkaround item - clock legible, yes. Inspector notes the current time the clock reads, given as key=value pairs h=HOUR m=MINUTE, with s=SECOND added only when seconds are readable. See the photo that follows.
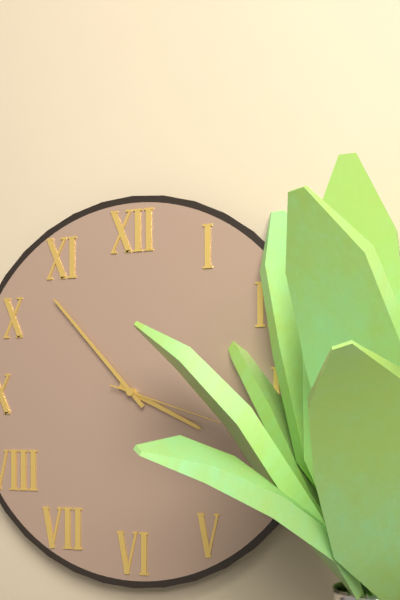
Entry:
h=3 m=53 s=18
